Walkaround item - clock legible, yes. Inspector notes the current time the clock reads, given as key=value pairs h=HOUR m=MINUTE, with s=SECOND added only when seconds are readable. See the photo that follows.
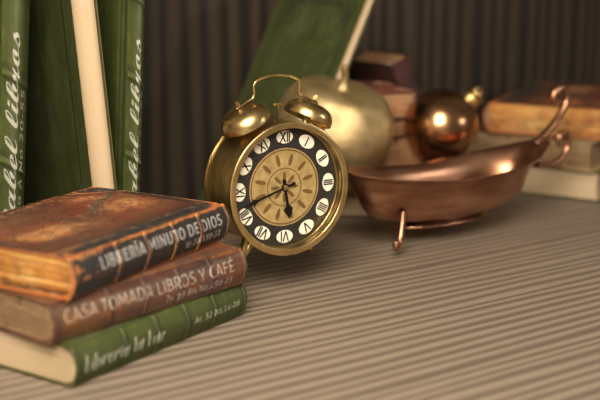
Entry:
h=5 m=42
